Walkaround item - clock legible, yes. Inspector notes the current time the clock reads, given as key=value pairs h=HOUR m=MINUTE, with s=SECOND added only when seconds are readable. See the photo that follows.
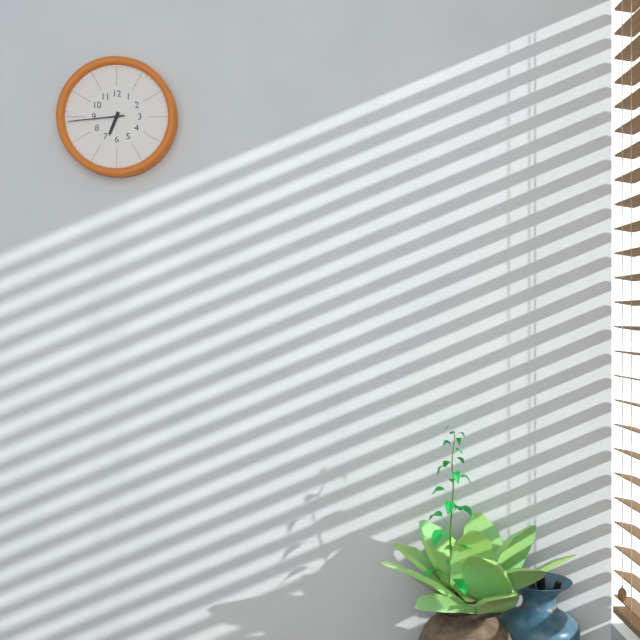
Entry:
h=6 m=44
